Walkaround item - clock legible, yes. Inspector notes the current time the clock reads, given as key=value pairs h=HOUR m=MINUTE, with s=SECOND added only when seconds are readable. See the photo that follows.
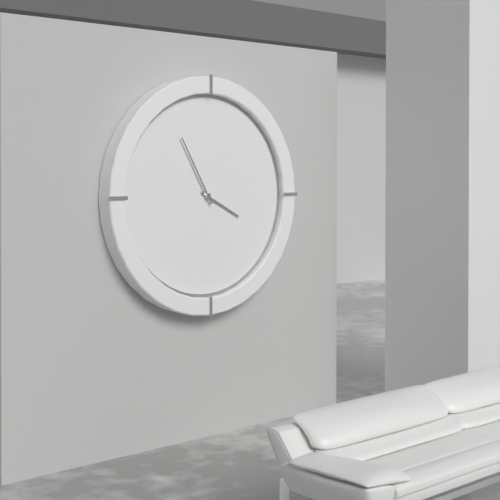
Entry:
h=3 m=55
